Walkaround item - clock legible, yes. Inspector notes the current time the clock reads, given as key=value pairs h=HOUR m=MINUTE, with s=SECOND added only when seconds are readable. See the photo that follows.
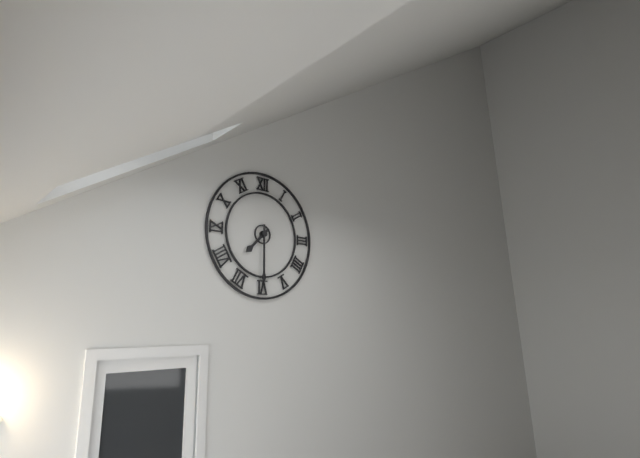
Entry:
h=7 m=30
